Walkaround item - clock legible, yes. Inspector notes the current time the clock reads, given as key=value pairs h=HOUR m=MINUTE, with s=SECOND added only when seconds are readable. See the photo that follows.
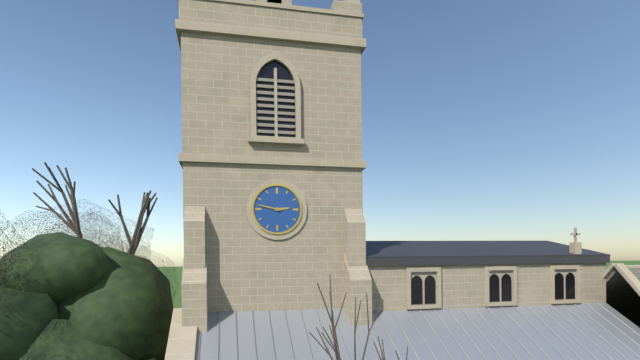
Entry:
h=2 m=47
